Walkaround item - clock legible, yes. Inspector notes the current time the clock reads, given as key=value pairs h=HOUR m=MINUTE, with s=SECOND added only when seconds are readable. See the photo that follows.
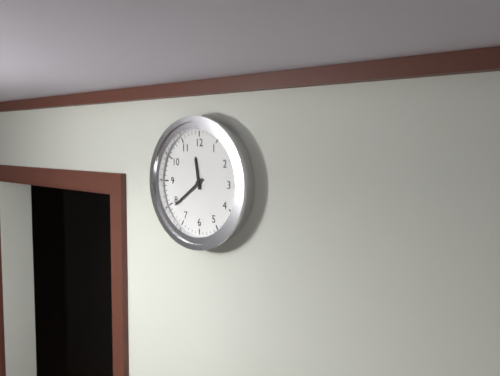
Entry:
h=11 m=39
